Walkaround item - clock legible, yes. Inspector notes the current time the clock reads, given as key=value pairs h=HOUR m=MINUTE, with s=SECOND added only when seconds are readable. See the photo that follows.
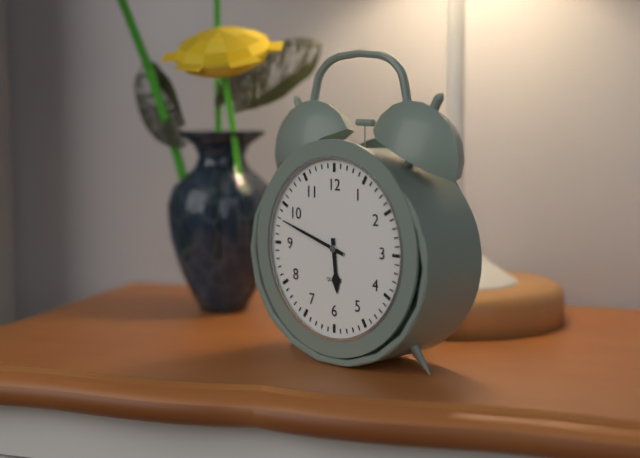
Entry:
h=5 m=48
